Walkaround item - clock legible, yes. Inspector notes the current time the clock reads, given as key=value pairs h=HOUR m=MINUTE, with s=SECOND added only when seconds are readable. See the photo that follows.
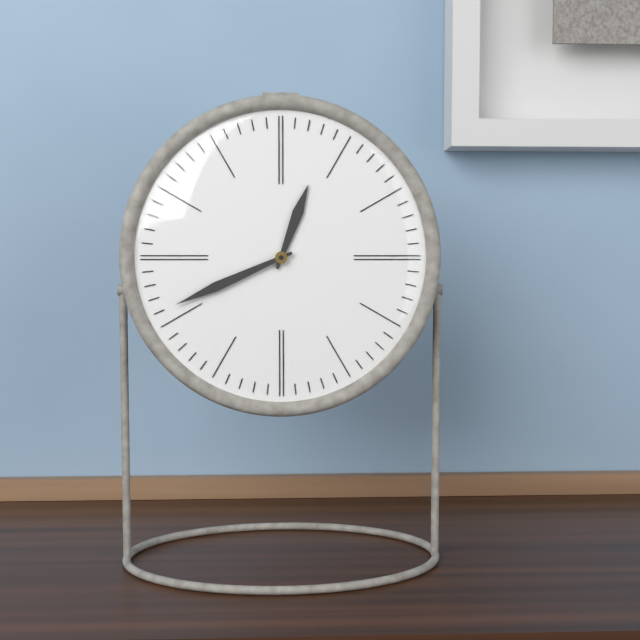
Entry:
h=12 m=41
